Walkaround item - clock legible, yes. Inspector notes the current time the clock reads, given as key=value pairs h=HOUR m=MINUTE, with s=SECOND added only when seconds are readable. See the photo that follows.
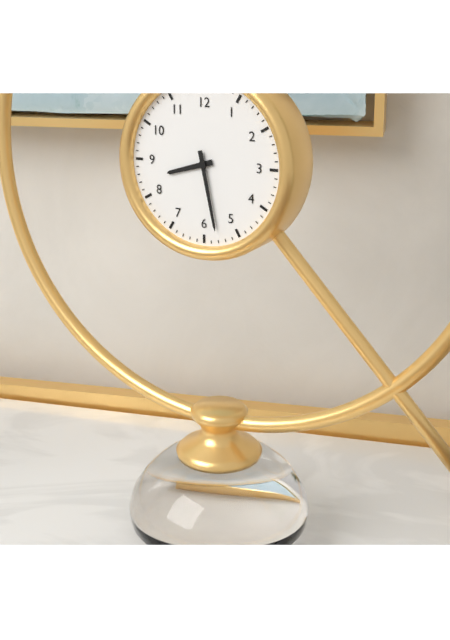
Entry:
h=8 m=28
